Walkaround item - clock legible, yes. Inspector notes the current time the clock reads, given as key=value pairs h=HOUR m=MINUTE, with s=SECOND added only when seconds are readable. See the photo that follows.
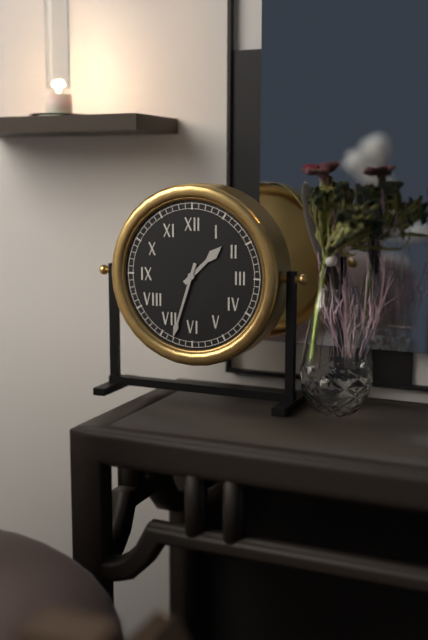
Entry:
h=1 m=33
